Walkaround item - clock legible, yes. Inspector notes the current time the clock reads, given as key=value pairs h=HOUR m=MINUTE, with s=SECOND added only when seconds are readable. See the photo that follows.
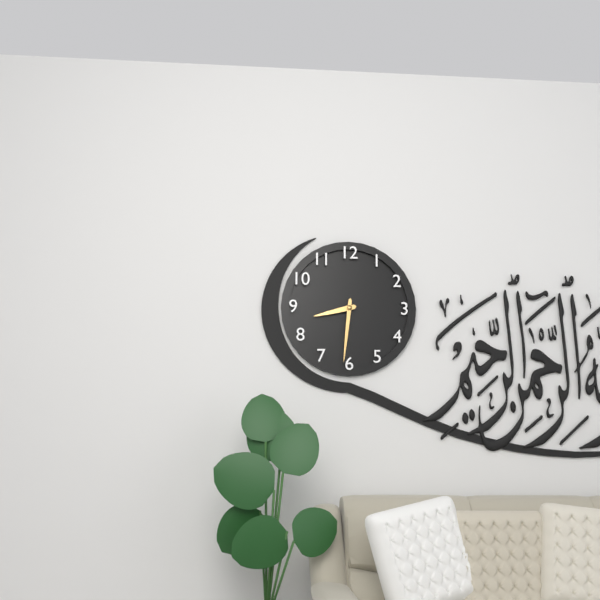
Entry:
h=8 m=31
